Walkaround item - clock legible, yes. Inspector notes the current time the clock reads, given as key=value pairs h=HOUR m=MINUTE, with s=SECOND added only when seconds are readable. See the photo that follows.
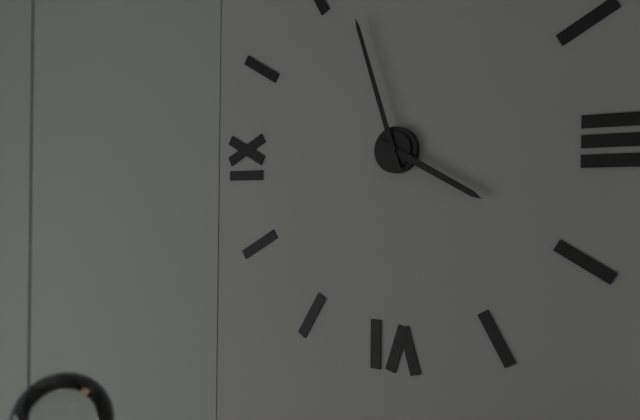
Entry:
h=3 m=57
